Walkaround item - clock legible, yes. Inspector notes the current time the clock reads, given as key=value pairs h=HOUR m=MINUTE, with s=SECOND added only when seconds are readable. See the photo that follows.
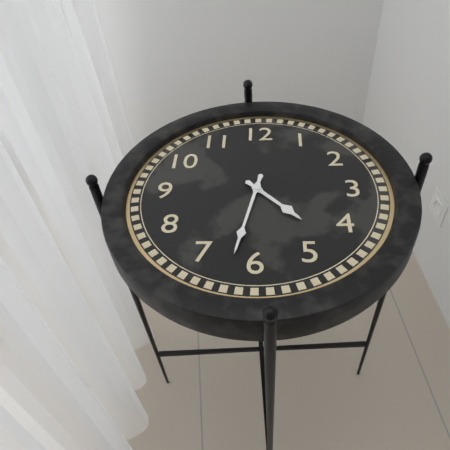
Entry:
h=4 m=32
